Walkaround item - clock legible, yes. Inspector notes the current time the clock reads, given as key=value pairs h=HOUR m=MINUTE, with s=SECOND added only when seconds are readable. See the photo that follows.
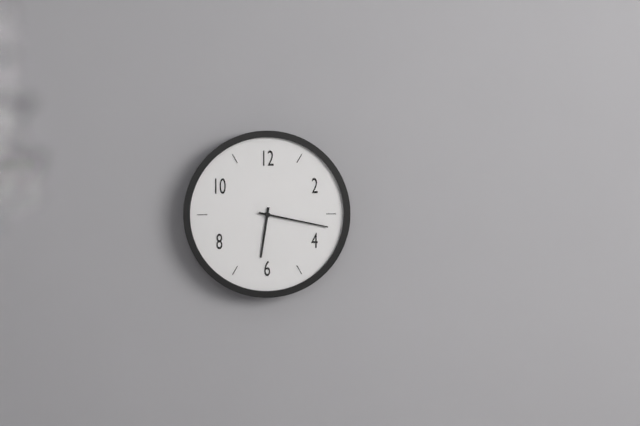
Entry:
h=6 m=17
